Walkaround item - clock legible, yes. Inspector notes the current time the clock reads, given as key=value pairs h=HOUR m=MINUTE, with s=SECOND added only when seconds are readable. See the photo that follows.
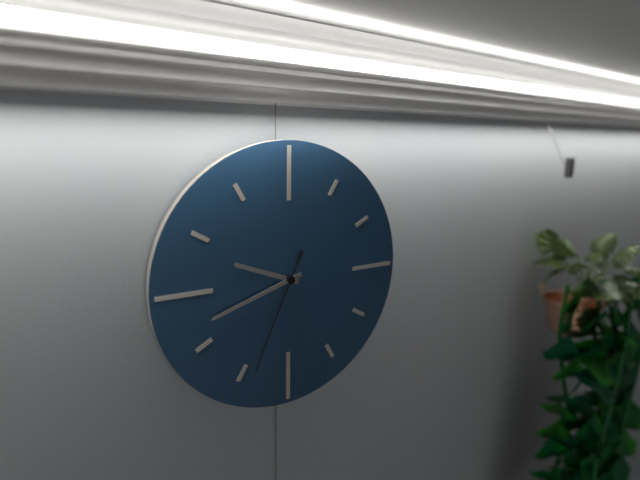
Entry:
h=9 m=42 s=34
